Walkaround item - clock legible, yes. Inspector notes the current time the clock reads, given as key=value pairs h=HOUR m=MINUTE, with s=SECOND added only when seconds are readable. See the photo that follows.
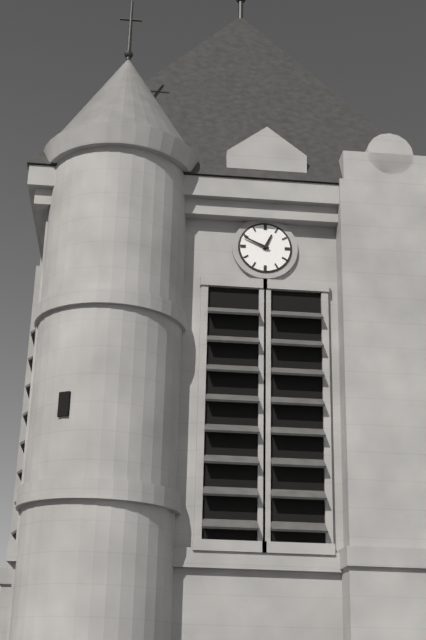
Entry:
h=12 m=49
